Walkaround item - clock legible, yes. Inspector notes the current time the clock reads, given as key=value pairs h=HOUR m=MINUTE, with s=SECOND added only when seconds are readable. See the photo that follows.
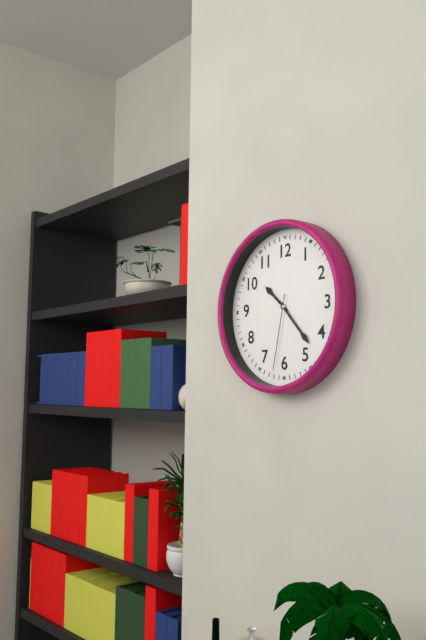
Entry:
h=10 m=23 s=32
